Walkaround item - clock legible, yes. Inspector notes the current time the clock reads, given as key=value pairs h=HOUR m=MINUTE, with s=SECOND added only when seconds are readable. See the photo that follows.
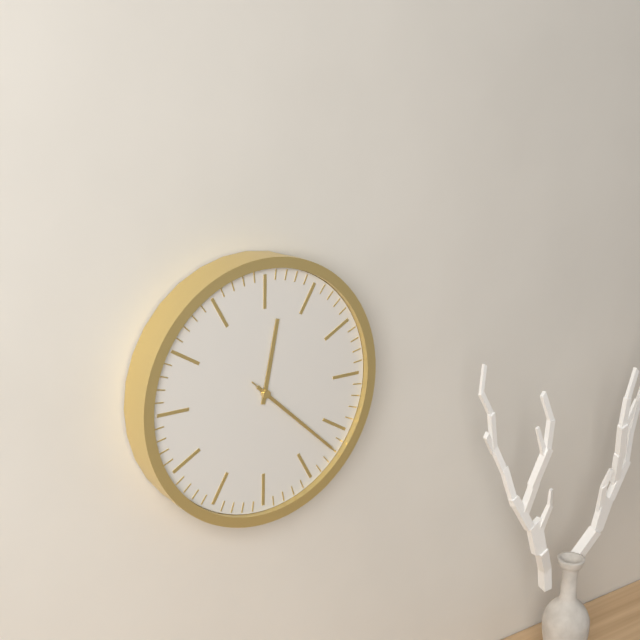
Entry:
h=12 m=22 s=22
